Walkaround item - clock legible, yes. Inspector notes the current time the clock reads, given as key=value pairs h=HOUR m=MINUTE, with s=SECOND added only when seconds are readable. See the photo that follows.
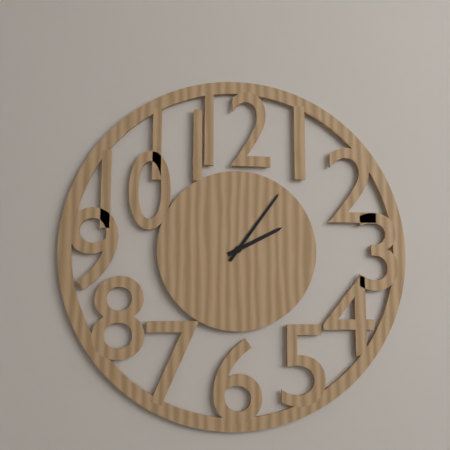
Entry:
h=2 m=6
